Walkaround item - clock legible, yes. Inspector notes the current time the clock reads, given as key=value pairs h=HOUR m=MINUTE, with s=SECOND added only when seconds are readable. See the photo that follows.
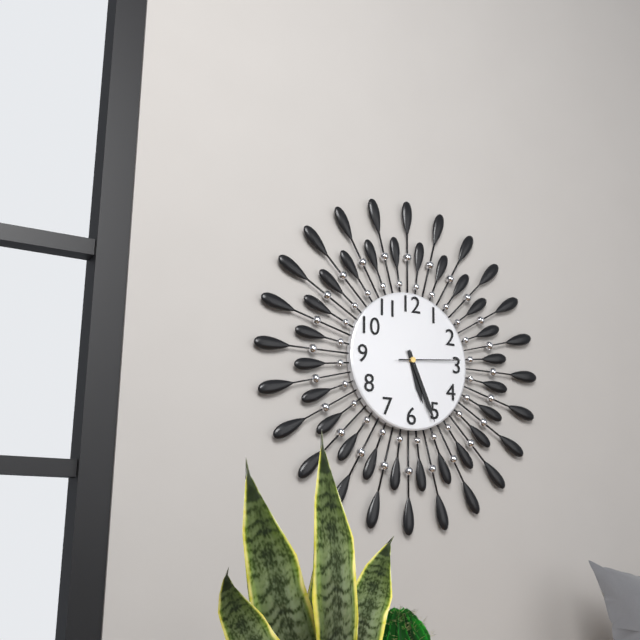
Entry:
h=5 m=26 s=14
